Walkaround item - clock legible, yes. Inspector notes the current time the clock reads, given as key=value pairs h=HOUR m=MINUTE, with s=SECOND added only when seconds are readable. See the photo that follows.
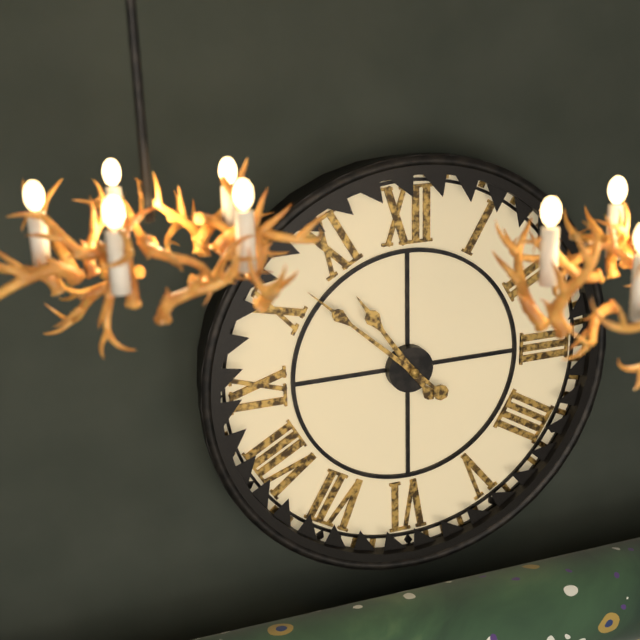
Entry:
h=10 m=52
